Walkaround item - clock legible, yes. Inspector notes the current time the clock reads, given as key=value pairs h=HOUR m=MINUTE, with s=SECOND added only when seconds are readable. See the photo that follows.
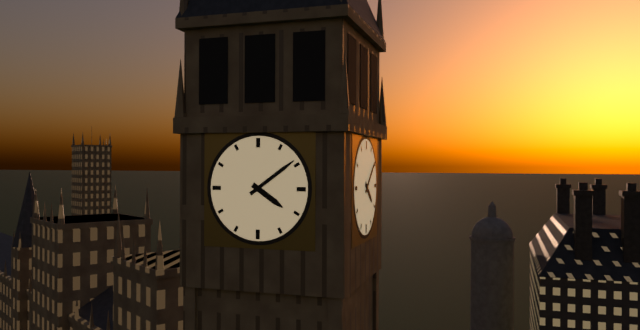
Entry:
h=4 m=9
